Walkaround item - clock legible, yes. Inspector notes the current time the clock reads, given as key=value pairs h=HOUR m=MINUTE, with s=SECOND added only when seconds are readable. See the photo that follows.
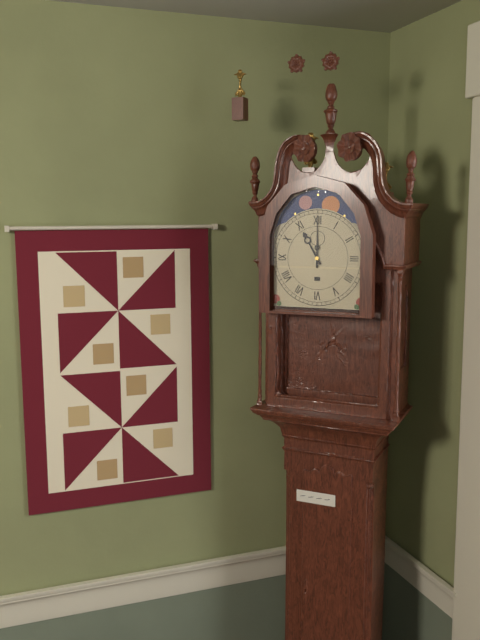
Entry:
h=11 m=0
